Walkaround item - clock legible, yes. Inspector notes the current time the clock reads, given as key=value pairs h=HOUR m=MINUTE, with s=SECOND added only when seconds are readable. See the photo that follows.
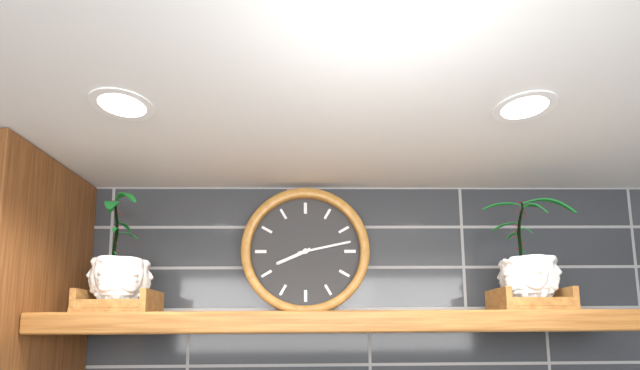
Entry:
h=8 m=13
